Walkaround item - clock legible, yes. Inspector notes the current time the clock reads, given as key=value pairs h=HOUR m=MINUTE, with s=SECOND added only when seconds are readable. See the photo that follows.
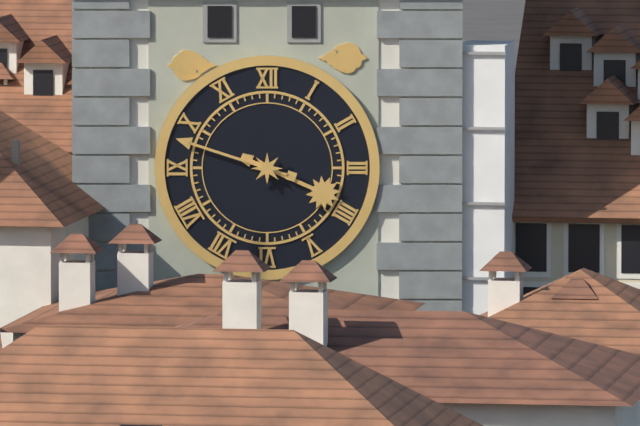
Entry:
h=3 m=48
